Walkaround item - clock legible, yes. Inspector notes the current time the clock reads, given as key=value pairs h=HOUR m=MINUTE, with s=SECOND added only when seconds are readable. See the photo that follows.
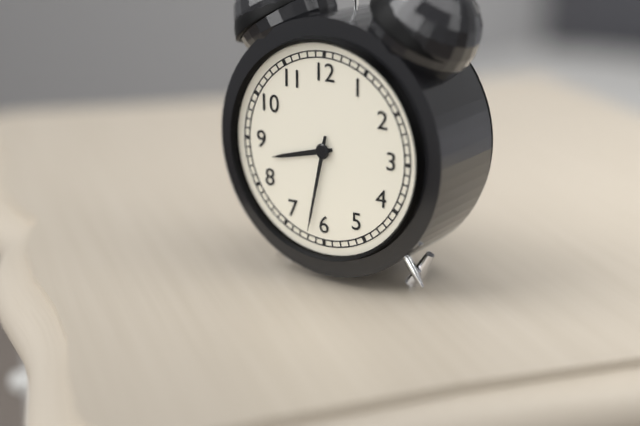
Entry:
h=8 m=32
